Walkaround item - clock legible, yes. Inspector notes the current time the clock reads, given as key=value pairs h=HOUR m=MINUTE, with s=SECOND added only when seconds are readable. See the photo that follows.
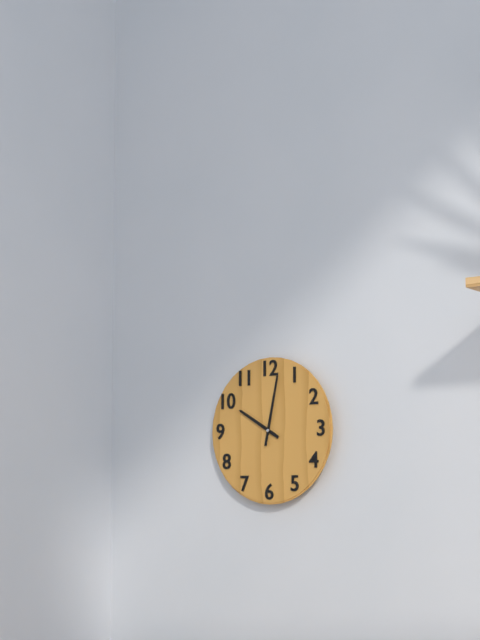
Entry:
h=10 m=2
